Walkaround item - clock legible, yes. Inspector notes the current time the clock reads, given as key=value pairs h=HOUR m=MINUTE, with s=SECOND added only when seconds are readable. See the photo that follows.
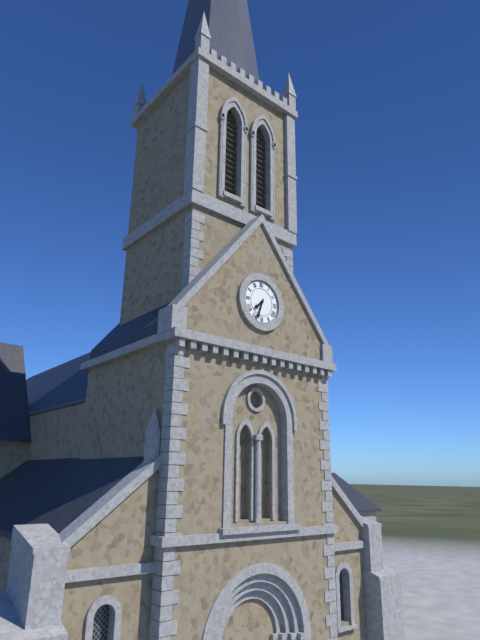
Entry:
h=7 m=33
